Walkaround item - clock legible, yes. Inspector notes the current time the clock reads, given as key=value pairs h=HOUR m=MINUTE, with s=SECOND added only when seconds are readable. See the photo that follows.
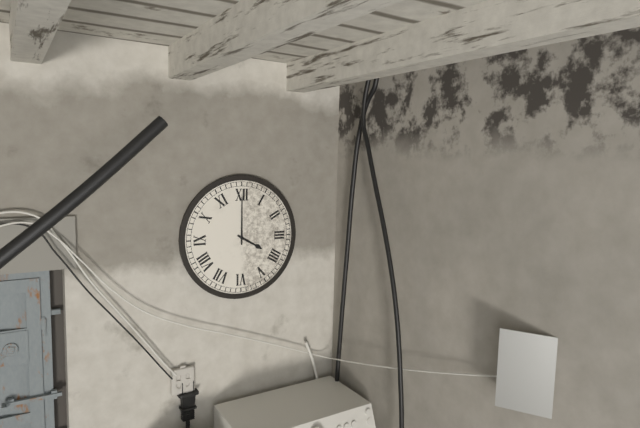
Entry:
h=4 m=0
